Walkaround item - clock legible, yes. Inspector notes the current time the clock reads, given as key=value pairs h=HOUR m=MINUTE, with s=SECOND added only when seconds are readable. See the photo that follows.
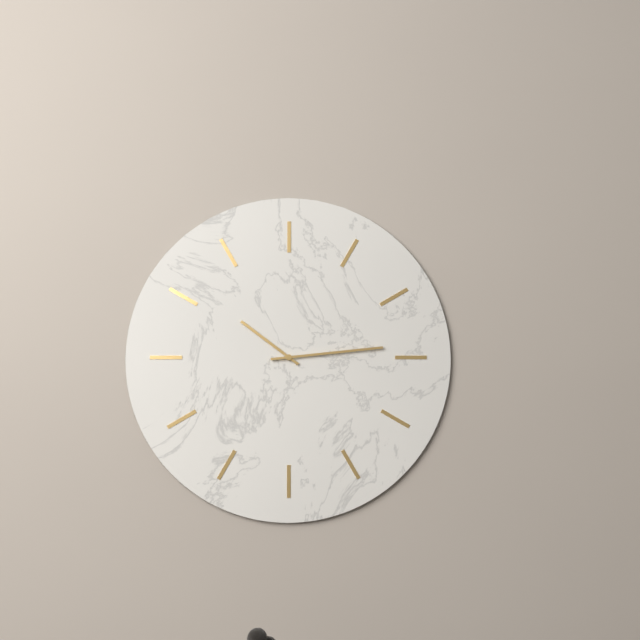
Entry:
h=10 m=14
